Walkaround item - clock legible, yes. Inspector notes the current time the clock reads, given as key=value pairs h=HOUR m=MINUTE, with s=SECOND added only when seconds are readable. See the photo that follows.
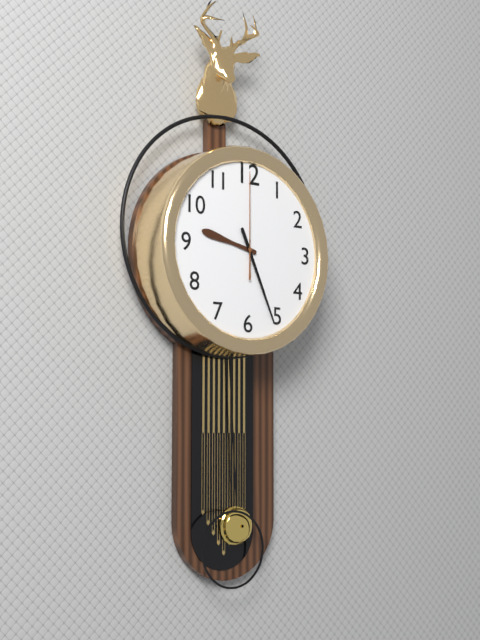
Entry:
h=9 m=26 s=0
